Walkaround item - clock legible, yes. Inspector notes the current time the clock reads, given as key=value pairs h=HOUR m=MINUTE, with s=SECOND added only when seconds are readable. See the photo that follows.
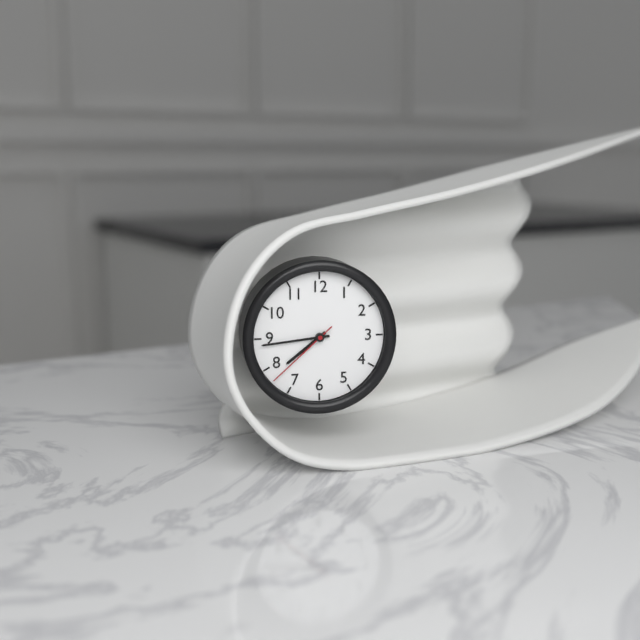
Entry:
h=7 m=44 s=38
